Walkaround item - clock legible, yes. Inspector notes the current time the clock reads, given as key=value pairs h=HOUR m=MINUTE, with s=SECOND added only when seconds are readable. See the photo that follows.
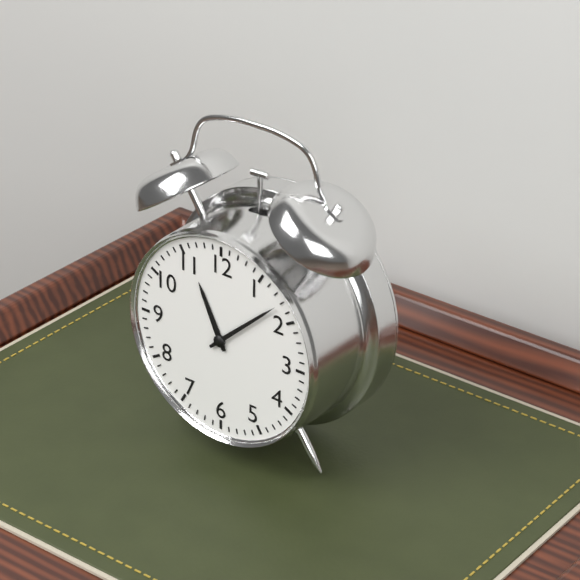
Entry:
h=11 m=8
